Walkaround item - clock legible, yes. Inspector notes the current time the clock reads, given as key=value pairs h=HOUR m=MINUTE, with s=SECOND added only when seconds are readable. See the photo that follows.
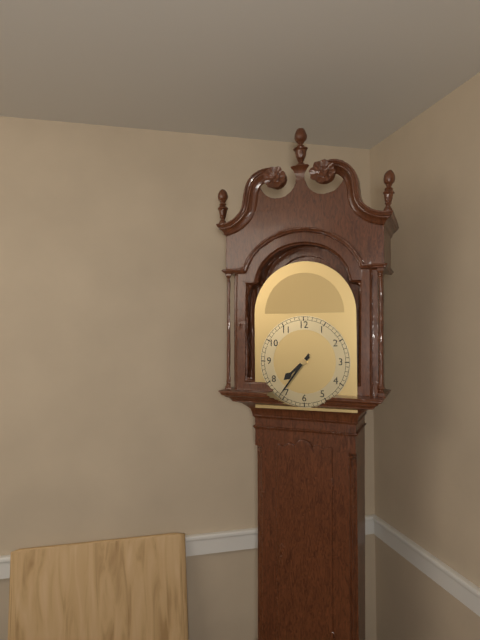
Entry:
h=7 m=36
